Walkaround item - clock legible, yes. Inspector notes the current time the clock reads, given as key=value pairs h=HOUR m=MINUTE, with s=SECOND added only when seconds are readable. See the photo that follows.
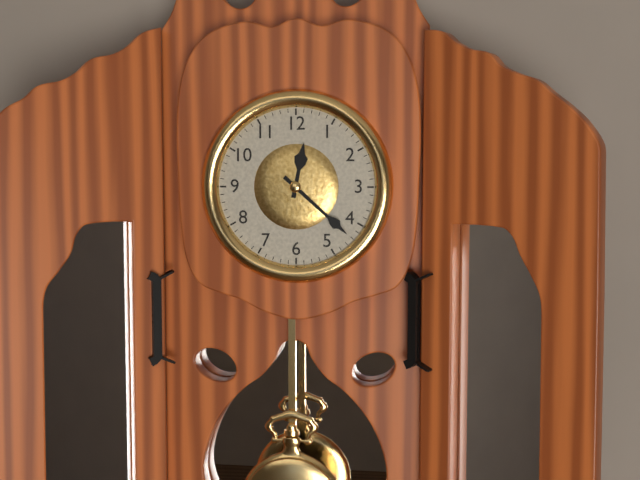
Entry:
h=12 m=22
